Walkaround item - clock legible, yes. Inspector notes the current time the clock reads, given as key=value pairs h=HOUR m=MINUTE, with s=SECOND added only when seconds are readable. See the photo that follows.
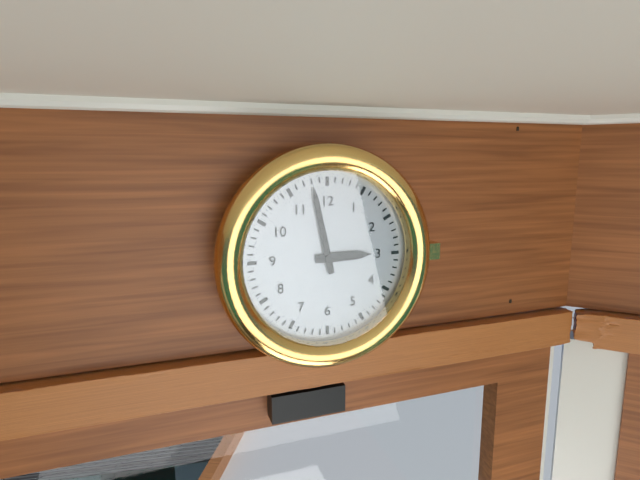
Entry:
h=2 m=58
